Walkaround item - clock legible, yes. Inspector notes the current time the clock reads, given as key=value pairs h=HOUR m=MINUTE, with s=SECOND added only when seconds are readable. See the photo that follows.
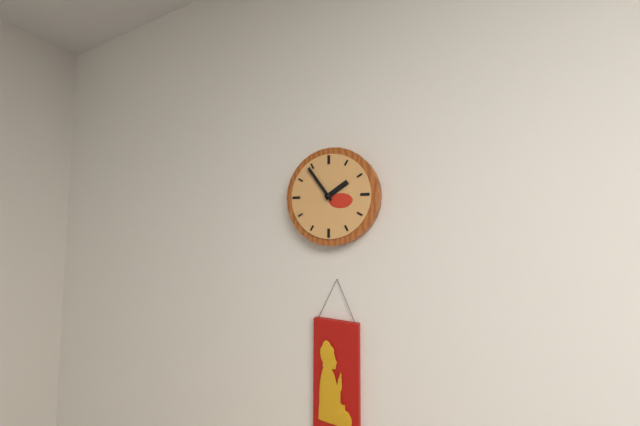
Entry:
h=1 m=54
